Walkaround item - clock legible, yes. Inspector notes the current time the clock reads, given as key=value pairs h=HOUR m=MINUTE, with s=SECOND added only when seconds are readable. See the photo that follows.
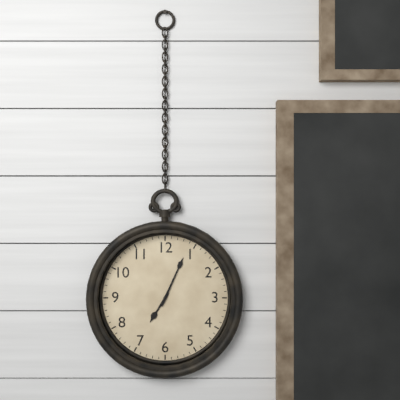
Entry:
h=7 m=4
